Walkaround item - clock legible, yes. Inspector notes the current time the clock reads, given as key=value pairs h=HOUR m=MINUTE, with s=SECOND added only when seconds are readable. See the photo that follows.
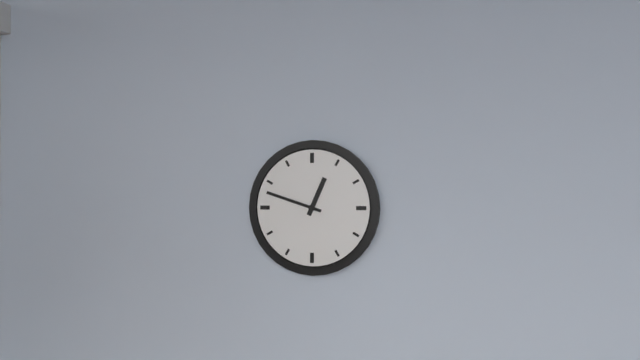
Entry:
h=12 m=48
